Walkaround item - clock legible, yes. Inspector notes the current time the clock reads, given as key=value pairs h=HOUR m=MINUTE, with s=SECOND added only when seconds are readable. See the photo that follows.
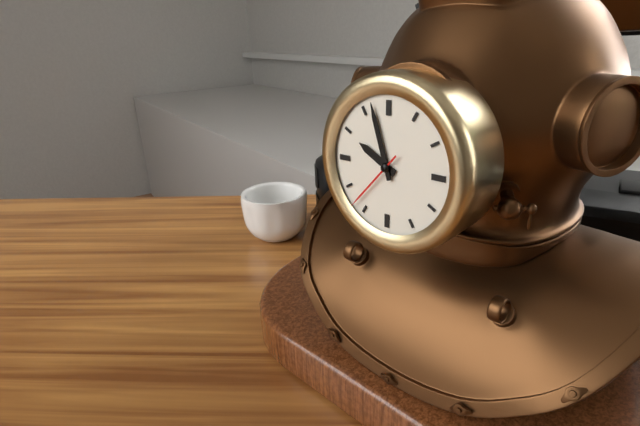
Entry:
h=9 m=57 s=37
